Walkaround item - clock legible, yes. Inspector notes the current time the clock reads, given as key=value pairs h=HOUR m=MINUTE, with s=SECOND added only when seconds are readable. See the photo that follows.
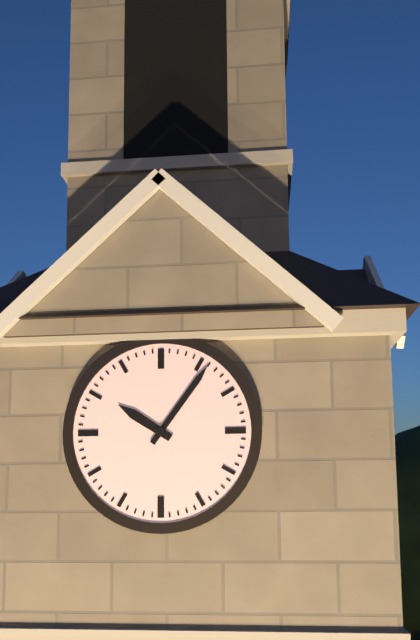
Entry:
h=10 m=6
